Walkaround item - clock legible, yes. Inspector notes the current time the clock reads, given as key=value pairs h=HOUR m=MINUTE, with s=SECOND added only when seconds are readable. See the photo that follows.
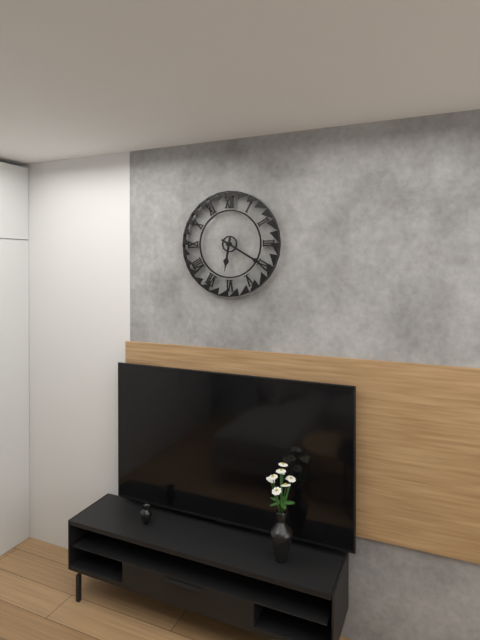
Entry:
h=6 m=20
